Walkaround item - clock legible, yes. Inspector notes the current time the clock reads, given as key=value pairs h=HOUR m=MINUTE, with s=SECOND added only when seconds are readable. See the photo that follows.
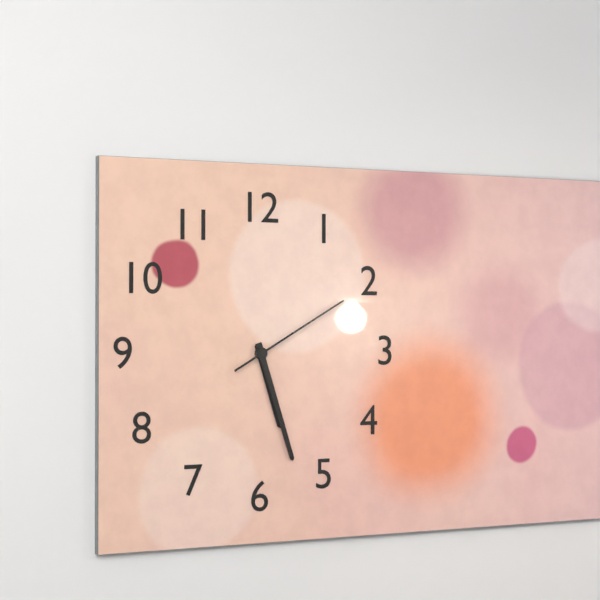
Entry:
h=5 m=27 s=10
